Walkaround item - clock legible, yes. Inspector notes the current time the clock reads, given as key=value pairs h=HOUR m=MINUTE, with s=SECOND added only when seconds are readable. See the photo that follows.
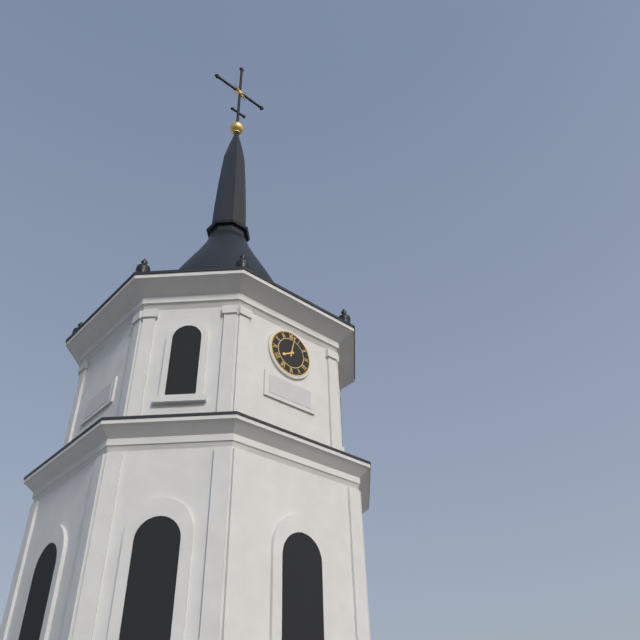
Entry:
h=8 m=2
